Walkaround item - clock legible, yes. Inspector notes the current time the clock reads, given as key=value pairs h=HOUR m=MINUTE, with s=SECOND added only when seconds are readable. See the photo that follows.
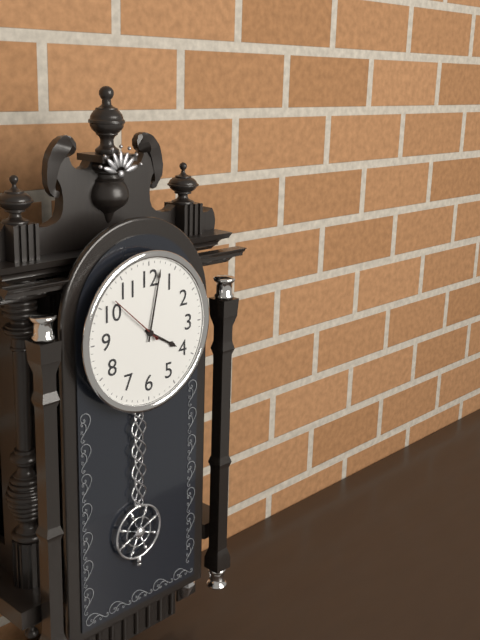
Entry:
h=4 m=2 s=52
